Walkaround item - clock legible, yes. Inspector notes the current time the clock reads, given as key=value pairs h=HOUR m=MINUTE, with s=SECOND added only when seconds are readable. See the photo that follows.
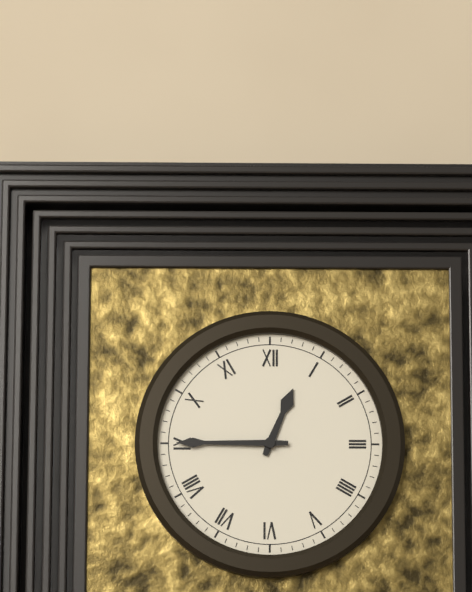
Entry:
h=12 m=45
